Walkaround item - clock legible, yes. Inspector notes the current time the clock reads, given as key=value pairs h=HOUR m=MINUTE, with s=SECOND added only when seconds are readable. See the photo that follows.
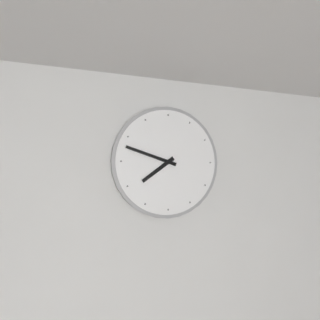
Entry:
h=7 m=48
